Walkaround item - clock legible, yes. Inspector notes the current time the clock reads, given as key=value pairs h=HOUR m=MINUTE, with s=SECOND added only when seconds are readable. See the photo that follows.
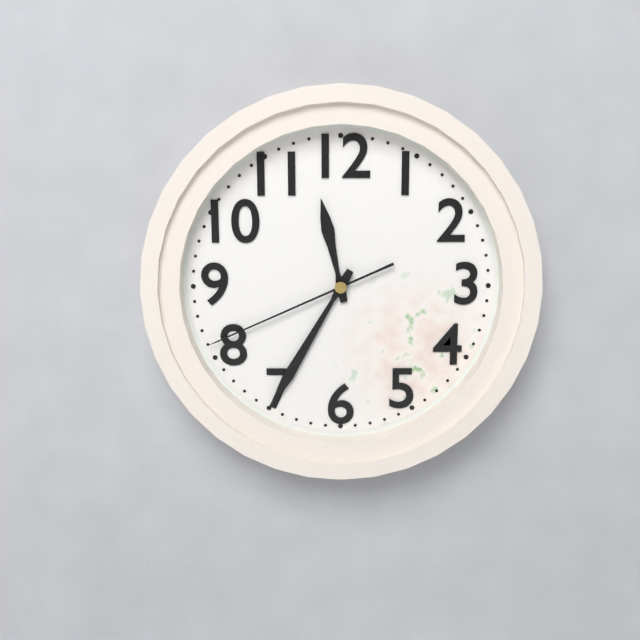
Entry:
h=11 m=35 s=41
